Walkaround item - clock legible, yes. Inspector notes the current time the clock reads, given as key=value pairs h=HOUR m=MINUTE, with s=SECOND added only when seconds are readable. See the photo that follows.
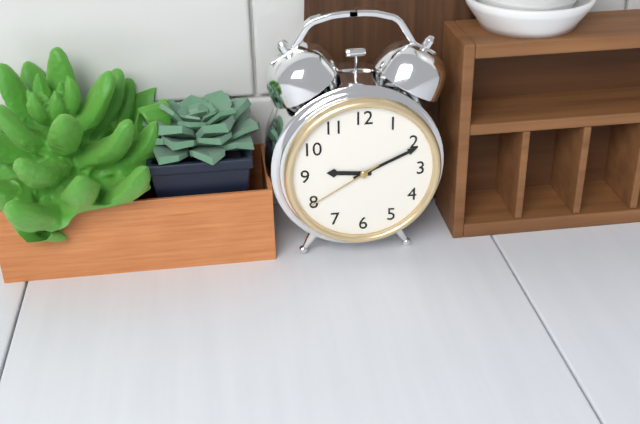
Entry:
h=9 m=11 s=40
